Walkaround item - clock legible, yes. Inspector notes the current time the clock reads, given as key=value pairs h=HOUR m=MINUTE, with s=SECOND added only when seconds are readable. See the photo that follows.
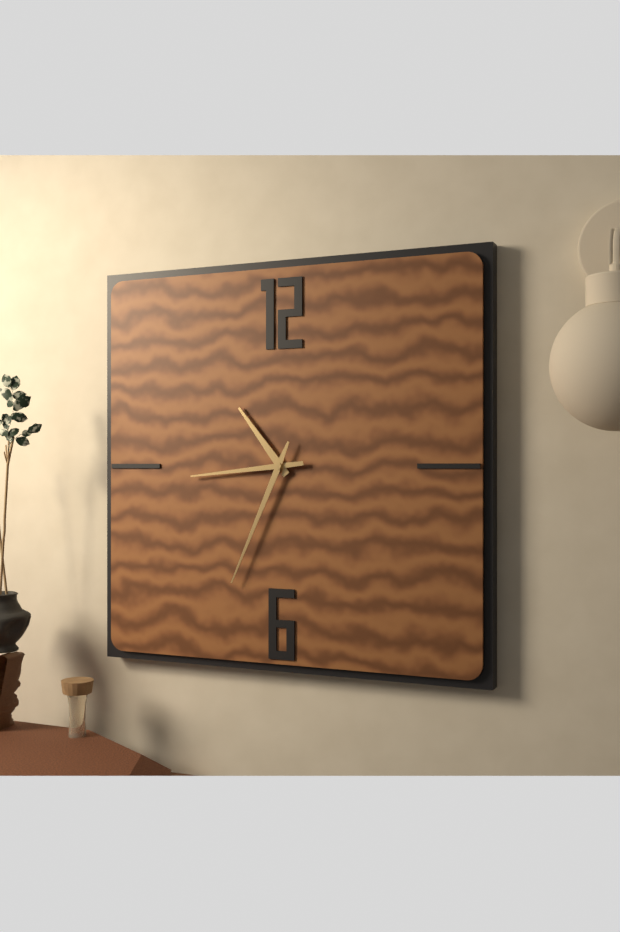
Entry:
h=10 m=44 s=34
